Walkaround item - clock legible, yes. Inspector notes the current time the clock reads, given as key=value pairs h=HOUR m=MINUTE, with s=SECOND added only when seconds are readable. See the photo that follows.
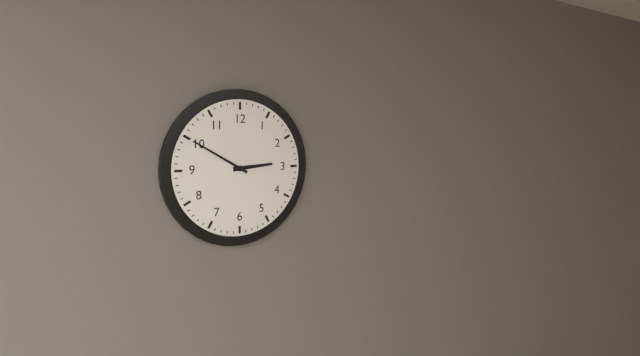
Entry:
h=2 m=50
